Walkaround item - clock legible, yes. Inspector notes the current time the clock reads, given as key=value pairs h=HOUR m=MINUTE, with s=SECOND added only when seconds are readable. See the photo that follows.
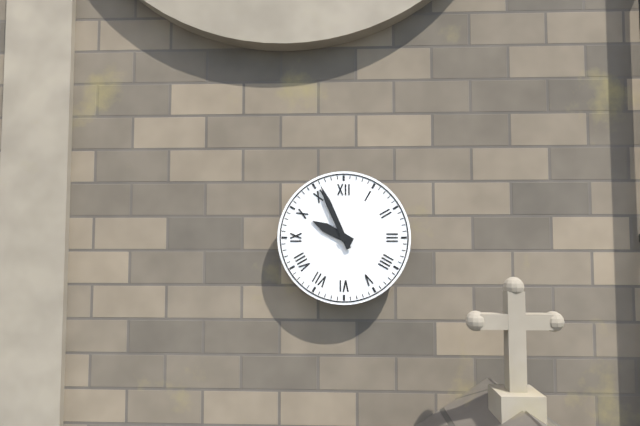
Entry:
h=9 m=56
